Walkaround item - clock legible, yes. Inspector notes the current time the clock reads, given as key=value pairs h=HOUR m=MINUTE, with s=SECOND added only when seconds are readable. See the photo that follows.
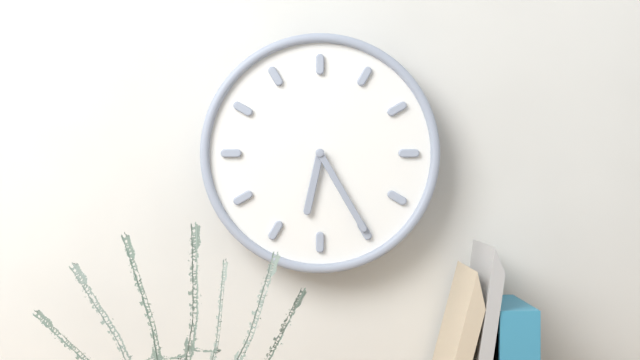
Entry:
h=6 m=25
